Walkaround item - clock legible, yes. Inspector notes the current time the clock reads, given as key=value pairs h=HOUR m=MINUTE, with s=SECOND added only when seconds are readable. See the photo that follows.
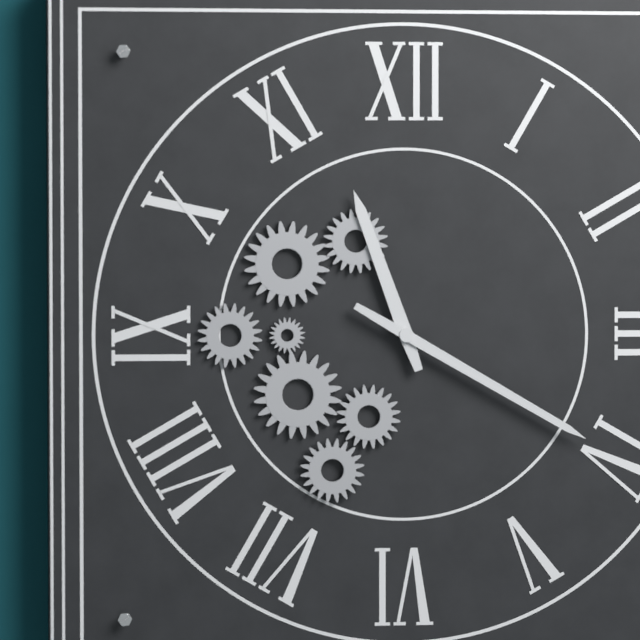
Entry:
h=11 m=20
